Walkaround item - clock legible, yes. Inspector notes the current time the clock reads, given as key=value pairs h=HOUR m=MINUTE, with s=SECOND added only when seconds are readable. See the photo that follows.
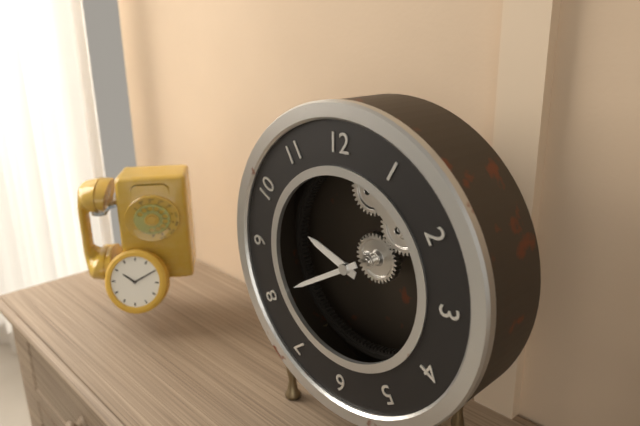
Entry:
h=9 m=40
